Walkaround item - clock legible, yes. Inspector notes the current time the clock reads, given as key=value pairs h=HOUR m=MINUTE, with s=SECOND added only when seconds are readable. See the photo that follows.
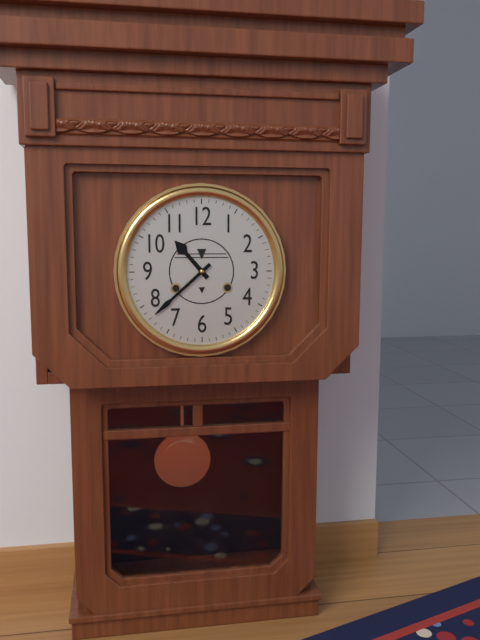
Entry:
h=10 m=38
